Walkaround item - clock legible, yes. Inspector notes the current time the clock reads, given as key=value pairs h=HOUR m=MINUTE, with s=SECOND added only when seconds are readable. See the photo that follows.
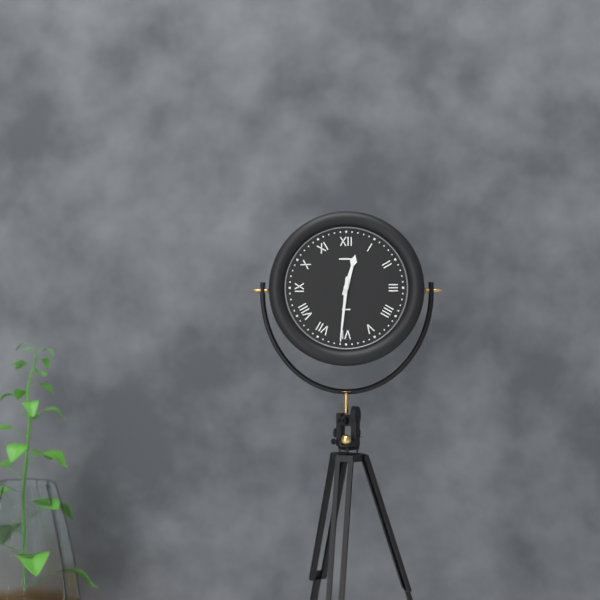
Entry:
h=12 m=31
